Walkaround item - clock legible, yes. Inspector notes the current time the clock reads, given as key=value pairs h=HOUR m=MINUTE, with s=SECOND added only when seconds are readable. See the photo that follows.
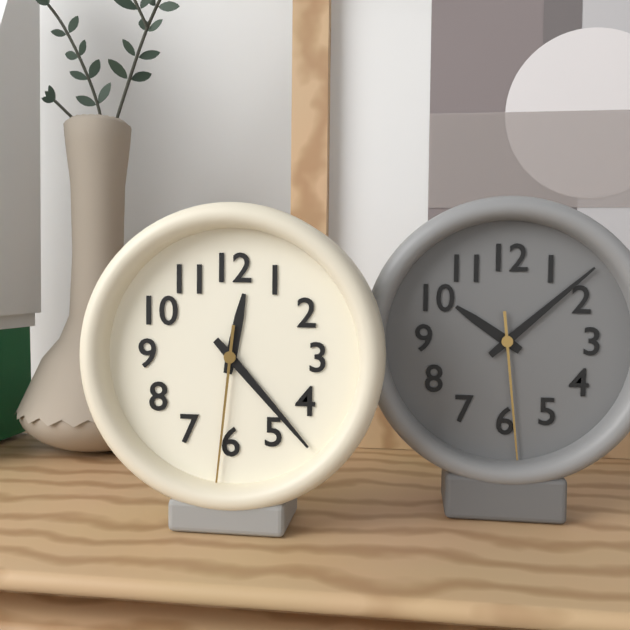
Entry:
h=12 m=23 s=31
